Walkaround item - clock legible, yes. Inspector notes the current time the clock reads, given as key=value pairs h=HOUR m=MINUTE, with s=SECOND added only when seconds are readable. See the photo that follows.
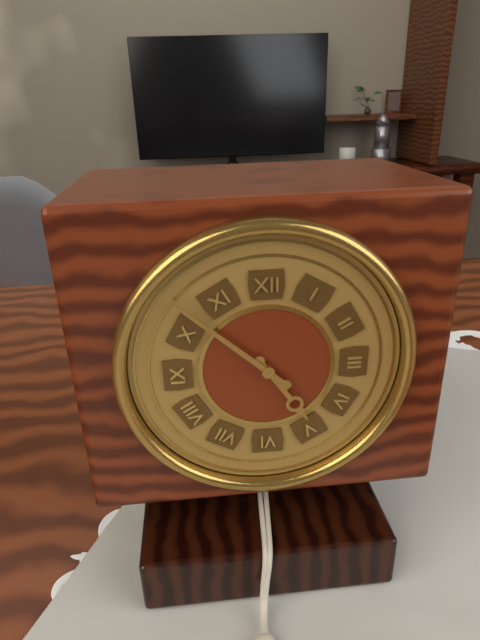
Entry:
h=4 m=52
